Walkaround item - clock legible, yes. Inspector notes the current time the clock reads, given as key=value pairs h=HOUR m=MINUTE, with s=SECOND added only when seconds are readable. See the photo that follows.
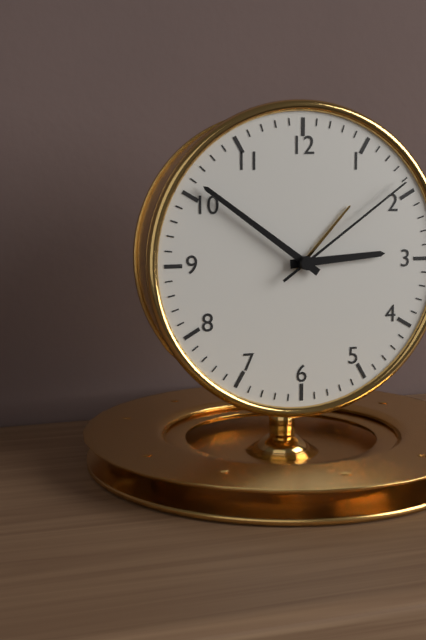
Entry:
h=2 m=51 s=9
